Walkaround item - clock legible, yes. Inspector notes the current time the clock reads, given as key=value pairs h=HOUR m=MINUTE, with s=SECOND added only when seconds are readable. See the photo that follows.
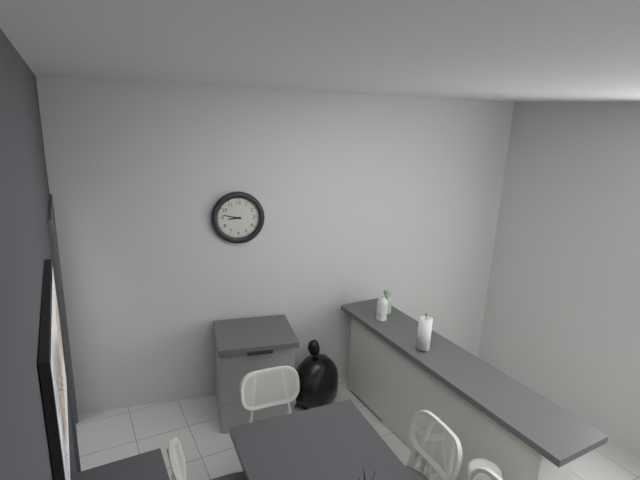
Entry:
h=8 m=47
